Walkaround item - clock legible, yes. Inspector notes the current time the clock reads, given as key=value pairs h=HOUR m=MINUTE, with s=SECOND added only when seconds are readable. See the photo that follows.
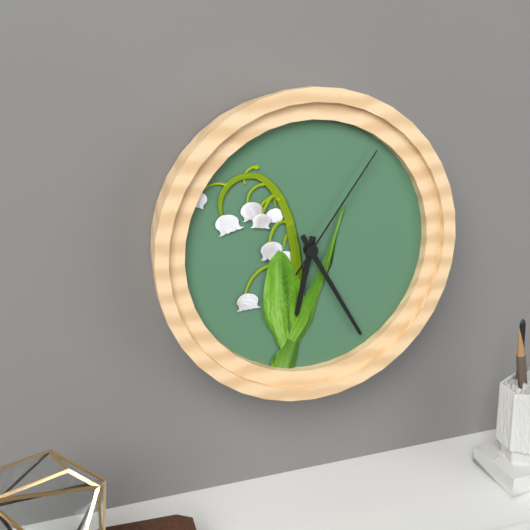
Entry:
h=6 m=25 s=6
